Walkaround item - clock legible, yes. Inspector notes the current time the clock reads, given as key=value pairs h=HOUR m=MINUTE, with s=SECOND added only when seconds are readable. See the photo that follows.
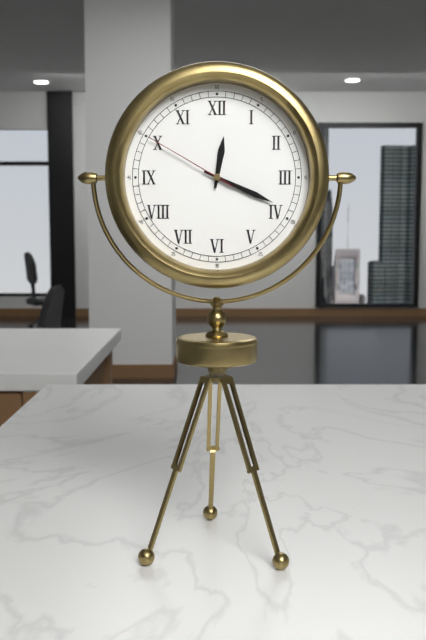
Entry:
h=12 m=19 s=50
